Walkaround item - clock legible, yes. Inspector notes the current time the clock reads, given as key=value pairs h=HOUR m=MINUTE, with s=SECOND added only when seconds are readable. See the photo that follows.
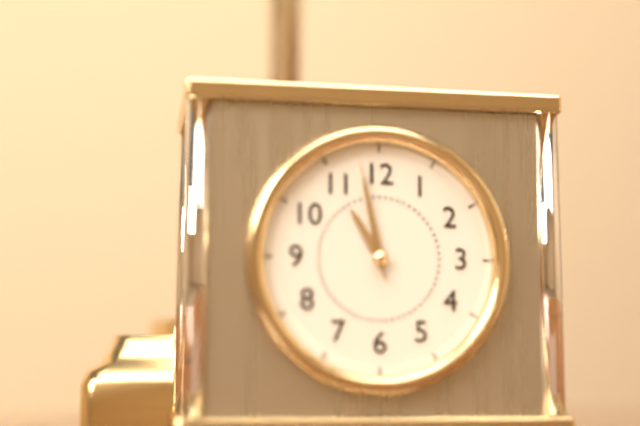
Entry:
h=10 m=58 s=58
